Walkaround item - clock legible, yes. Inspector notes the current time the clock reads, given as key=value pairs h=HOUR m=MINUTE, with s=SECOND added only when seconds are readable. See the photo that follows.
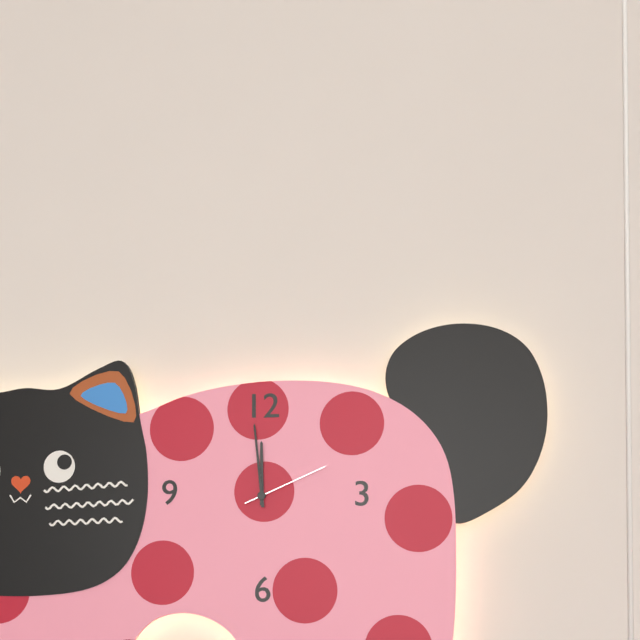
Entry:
h=11 m=59 s=11
